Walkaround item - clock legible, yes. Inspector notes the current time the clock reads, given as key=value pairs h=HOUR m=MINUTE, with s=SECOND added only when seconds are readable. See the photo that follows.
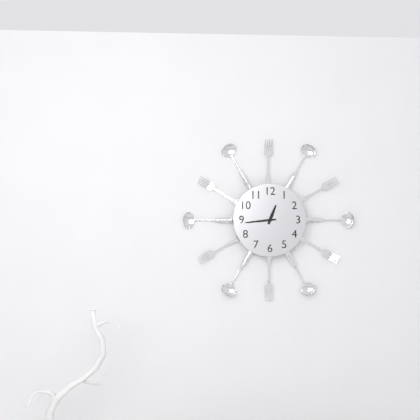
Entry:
h=12 m=44
